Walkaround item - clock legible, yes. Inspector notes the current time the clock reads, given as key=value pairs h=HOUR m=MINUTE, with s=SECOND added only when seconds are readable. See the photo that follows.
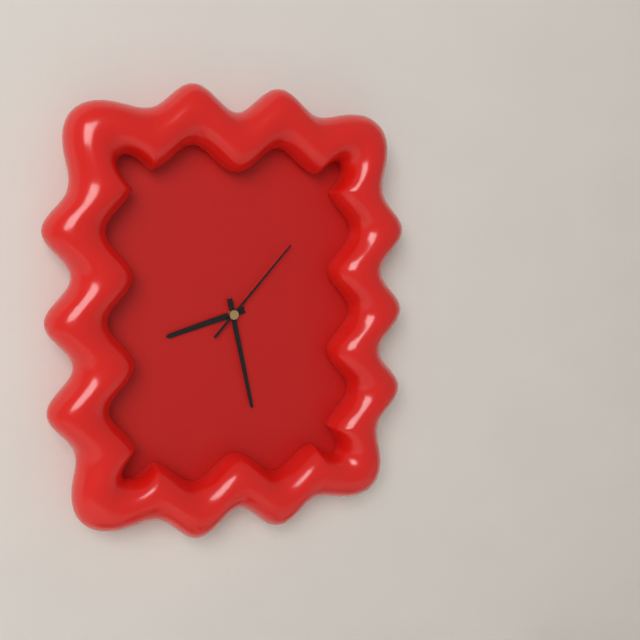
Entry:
h=8 m=28 s=7
